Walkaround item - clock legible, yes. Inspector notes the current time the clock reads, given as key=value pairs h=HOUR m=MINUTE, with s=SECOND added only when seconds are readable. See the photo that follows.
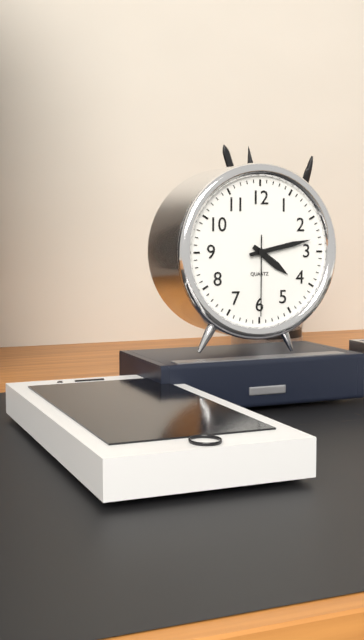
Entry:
h=4 m=13 s=30
